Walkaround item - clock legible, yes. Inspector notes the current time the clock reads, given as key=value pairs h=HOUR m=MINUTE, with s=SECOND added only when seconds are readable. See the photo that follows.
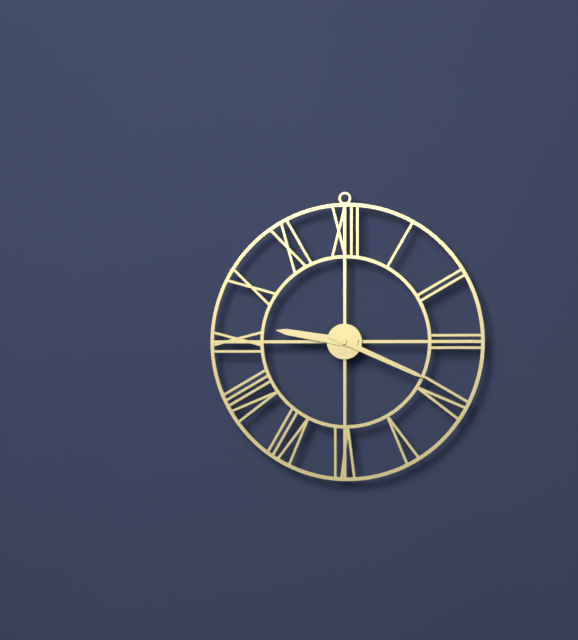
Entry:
h=9 m=19
